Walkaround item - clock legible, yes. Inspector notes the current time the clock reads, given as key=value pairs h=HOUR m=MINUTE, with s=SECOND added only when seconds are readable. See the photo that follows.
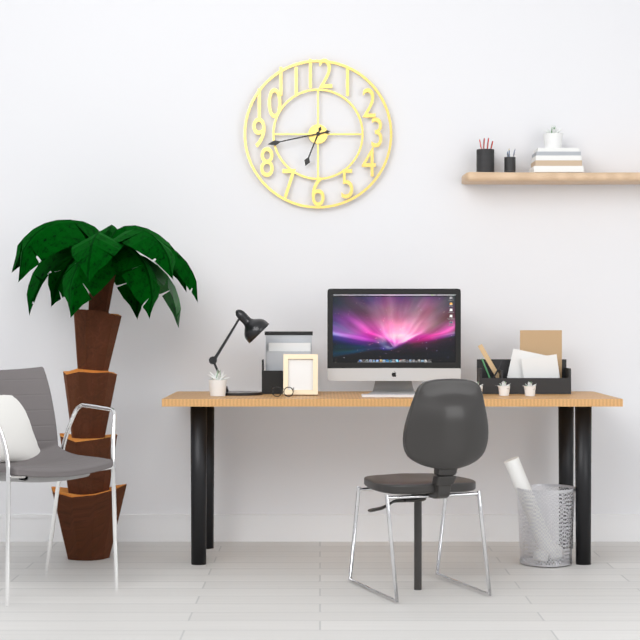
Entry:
h=6 m=43
